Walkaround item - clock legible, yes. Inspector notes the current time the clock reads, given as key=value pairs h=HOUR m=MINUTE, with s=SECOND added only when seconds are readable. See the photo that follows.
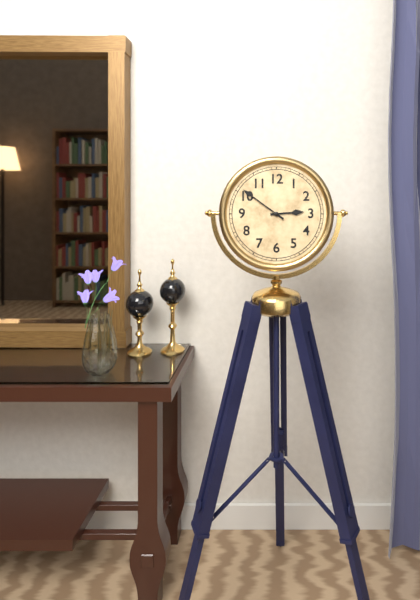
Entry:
h=2 m=51
